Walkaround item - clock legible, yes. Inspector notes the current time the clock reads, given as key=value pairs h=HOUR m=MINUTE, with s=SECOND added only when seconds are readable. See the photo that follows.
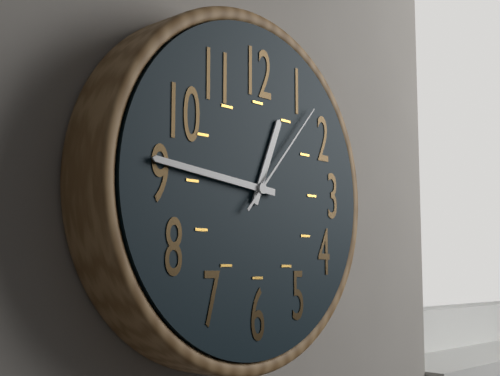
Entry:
h=12 m=46 s=7
